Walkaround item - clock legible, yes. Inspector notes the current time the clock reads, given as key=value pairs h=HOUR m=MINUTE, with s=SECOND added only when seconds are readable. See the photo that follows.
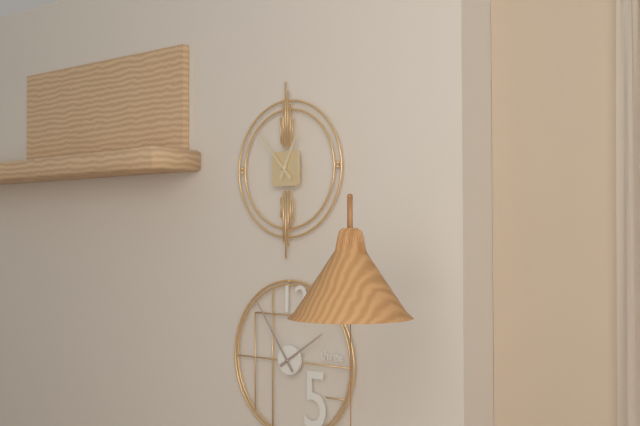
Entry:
h=12 m=53
